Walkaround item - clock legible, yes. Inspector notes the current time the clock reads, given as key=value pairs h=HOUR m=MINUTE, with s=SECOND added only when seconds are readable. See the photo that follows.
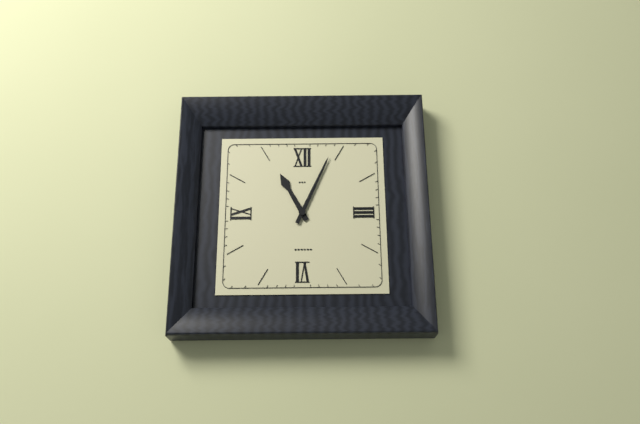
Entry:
h=11 m=4
